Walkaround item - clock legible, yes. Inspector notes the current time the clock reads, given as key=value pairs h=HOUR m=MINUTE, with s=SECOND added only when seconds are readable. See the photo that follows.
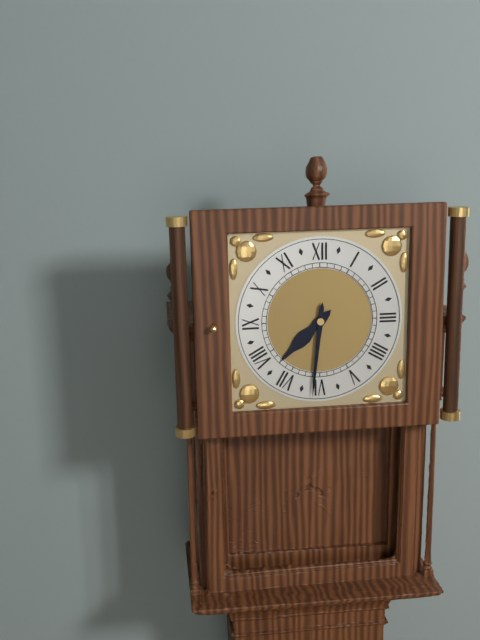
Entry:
h=7 m=31
